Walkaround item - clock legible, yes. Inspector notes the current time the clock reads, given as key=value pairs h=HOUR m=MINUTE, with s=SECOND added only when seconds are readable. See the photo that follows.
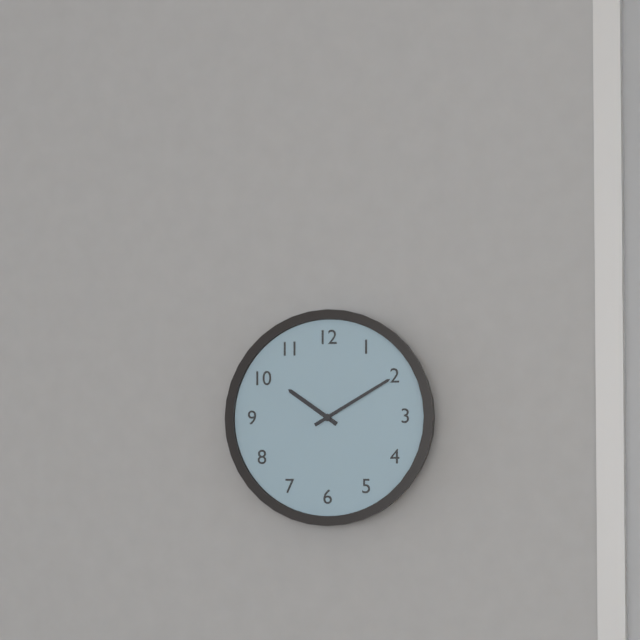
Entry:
h=10 m=10
